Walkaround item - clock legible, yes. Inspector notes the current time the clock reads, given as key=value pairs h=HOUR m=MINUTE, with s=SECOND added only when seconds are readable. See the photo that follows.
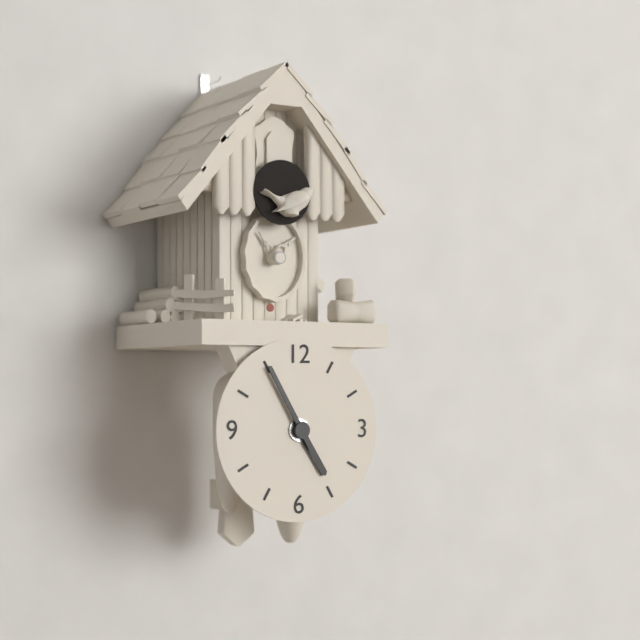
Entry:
h=4 m=55
